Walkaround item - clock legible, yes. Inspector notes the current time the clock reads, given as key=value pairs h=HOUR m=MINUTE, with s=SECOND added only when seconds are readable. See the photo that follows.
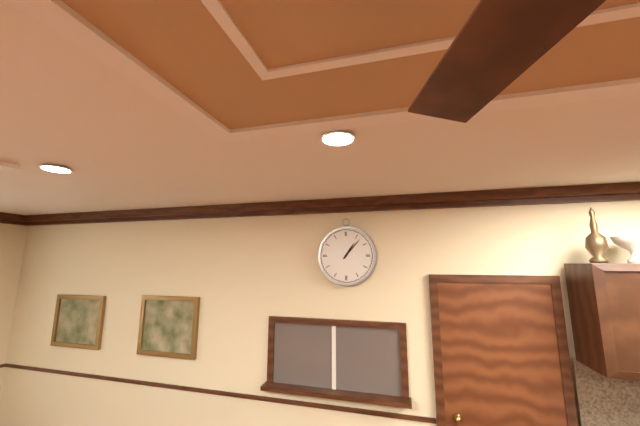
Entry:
h=1 m=7
